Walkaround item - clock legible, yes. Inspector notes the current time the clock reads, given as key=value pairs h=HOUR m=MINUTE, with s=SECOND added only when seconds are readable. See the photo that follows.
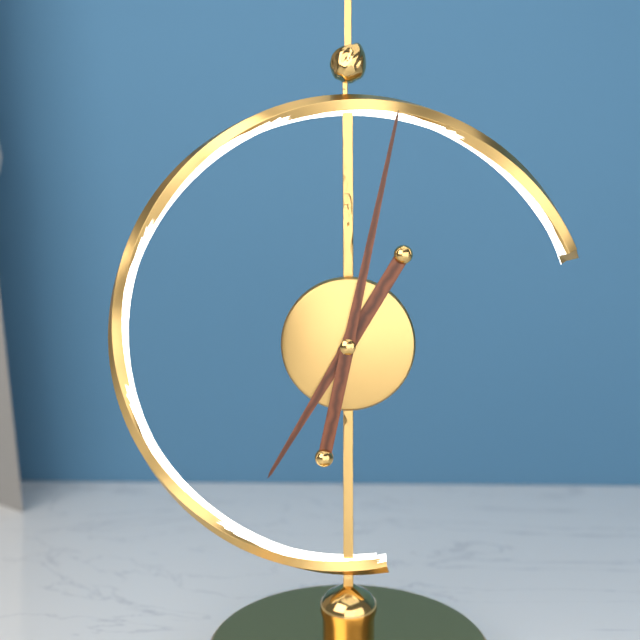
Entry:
h=7 m=2
